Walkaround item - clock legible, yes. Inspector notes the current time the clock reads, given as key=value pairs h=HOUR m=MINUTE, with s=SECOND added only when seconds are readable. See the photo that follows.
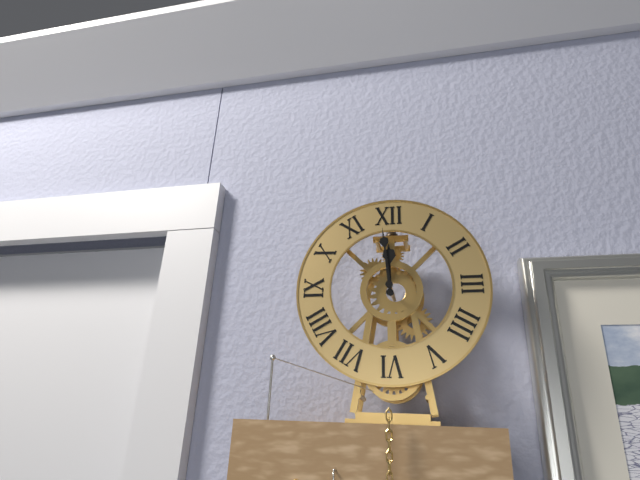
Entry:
h=11 m=59
